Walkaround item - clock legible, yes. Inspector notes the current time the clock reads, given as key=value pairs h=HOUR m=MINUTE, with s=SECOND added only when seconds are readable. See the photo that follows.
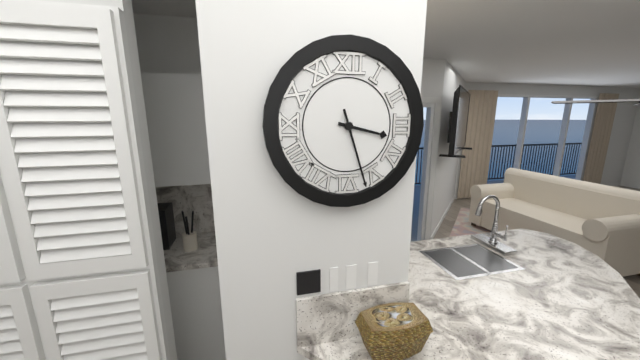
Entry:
h=3 m=27
